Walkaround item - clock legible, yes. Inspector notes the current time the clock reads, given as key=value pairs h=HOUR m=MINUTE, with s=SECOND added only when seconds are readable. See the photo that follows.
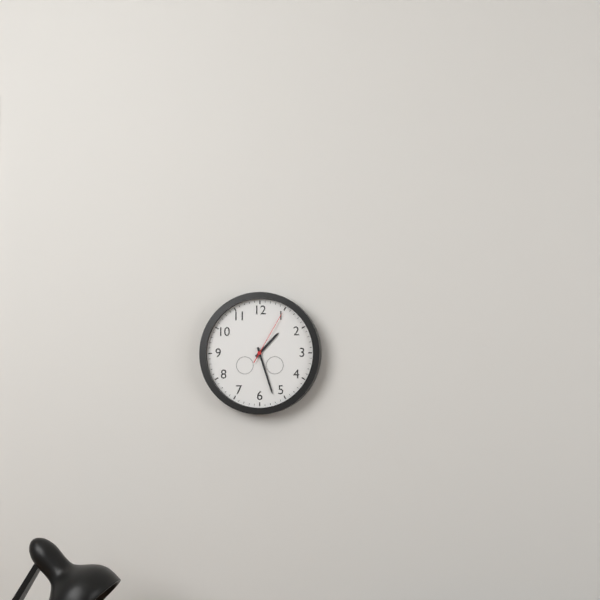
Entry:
h=1 m=27 s=5
